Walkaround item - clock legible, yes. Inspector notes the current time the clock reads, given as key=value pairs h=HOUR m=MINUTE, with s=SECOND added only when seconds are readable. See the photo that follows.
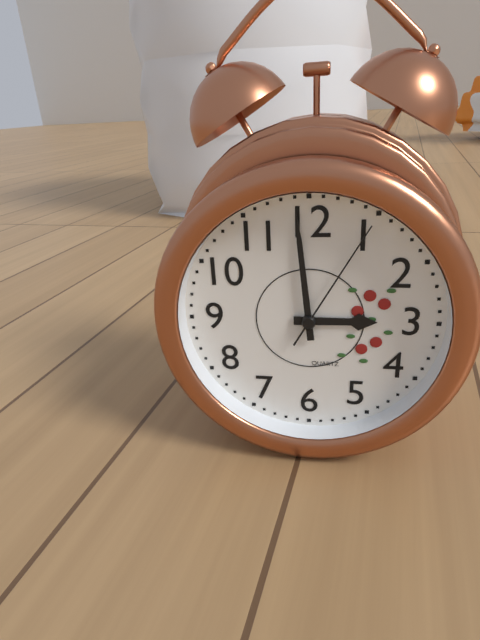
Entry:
h=2 m=59 s=5
